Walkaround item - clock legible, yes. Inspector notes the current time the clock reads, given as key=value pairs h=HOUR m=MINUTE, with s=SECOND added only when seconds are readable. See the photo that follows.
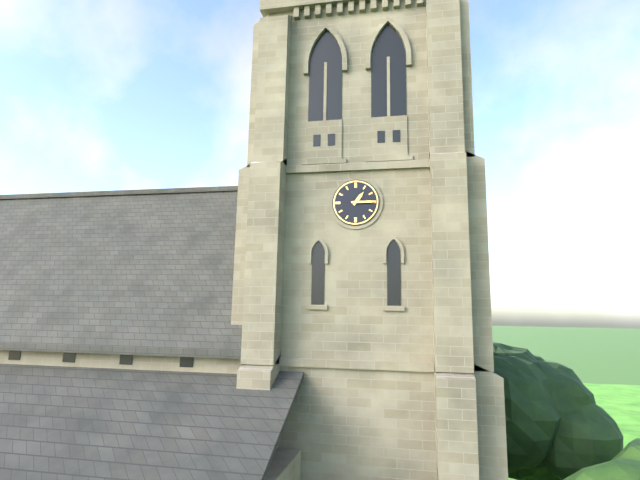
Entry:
h=1 m=15
